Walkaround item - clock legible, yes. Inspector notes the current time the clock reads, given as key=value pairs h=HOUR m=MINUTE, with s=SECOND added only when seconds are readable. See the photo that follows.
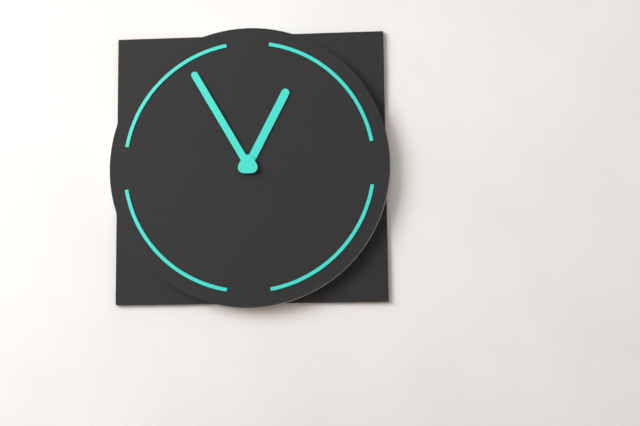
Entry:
h=12 m=55
